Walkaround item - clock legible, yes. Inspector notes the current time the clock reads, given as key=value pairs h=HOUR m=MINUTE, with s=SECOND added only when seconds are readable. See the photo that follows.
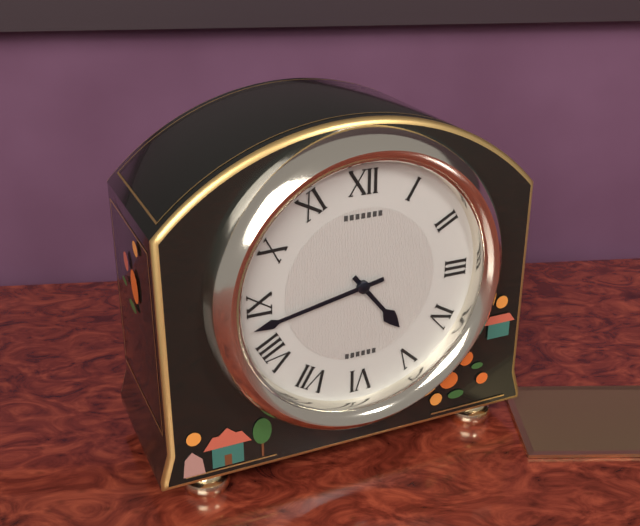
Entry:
h=4 m=43
